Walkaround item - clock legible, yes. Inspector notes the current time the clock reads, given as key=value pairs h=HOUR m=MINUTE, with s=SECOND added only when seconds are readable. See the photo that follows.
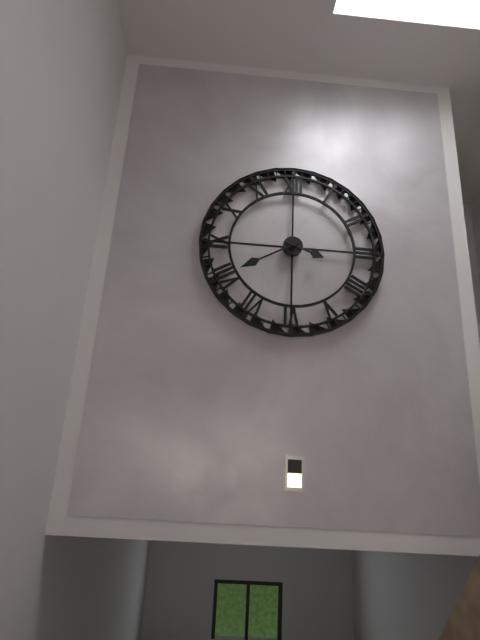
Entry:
h=3 m=40
